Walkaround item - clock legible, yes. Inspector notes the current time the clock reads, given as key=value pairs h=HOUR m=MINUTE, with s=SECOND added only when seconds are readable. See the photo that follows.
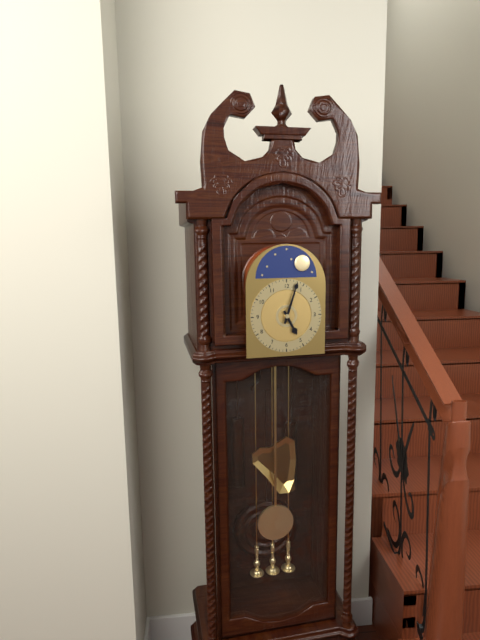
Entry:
h=5 m=3
